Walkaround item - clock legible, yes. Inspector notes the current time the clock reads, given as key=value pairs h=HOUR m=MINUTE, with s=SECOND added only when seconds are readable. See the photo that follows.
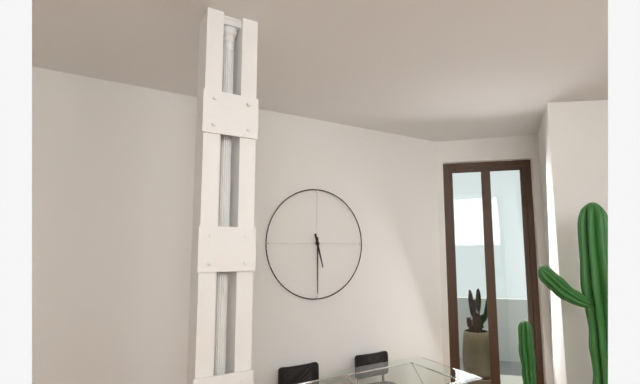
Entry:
h=5 m=30
